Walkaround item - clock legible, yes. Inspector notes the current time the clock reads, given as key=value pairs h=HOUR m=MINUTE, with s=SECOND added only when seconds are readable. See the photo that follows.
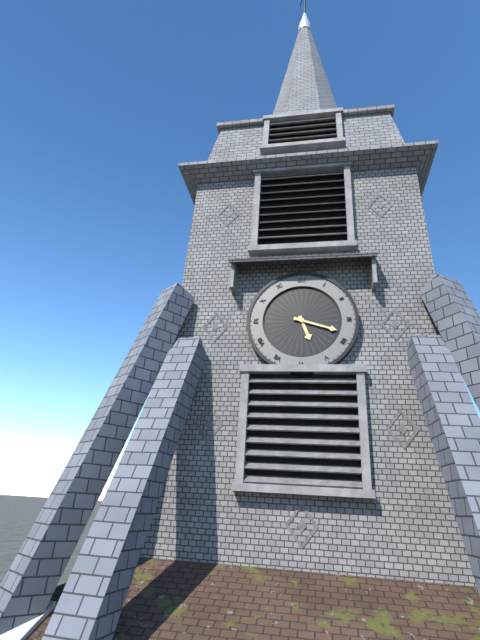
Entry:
h=5 m=18
